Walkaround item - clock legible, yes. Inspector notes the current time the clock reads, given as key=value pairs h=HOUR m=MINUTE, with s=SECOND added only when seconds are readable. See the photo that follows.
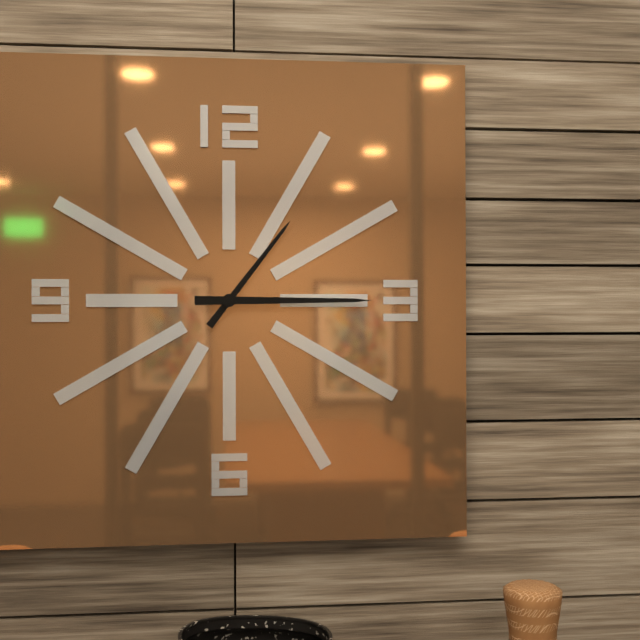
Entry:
h=1 m=15
